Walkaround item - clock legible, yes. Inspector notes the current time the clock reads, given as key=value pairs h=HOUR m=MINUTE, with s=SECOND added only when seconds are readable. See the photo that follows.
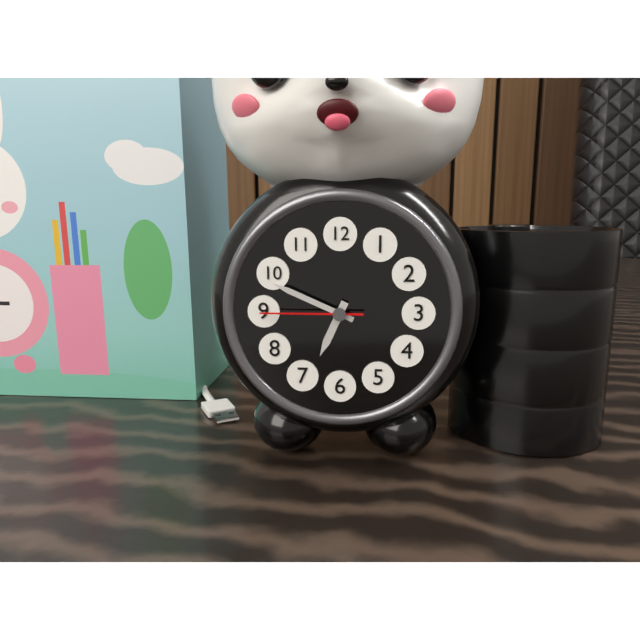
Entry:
h=6 m=49 s=45
